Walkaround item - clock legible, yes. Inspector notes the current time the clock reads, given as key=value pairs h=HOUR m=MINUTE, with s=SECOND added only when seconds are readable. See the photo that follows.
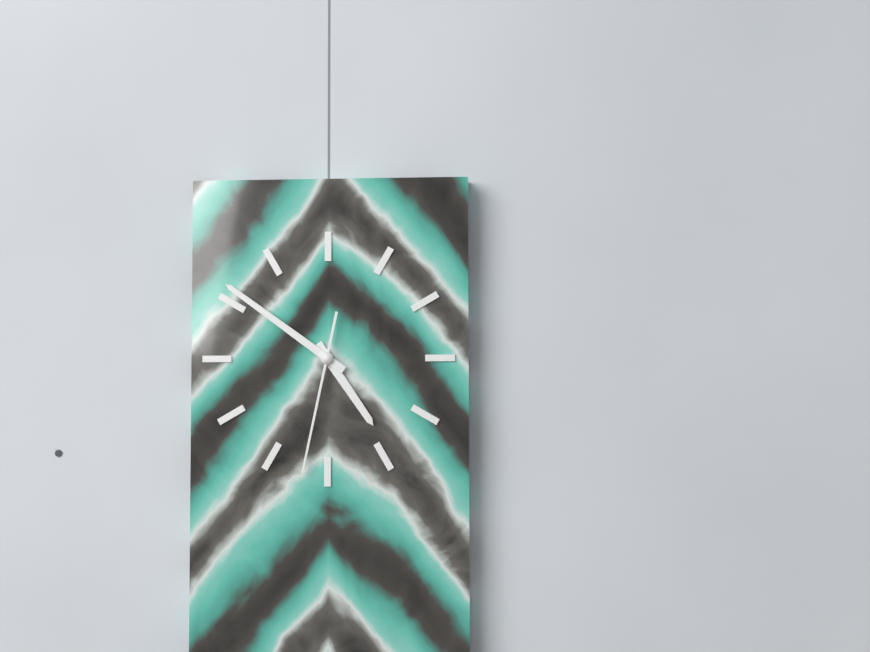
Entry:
h=4 m=51 s=32
